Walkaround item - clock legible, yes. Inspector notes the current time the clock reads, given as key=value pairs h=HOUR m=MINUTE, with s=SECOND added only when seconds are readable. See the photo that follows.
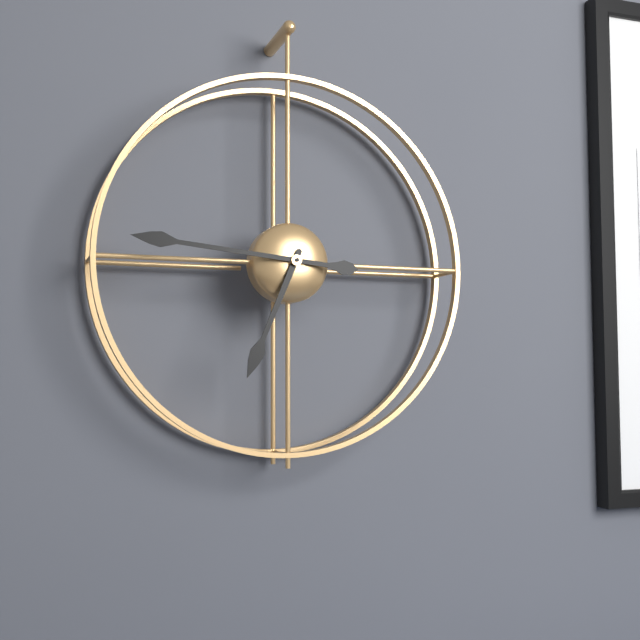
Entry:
h=6 m=46
